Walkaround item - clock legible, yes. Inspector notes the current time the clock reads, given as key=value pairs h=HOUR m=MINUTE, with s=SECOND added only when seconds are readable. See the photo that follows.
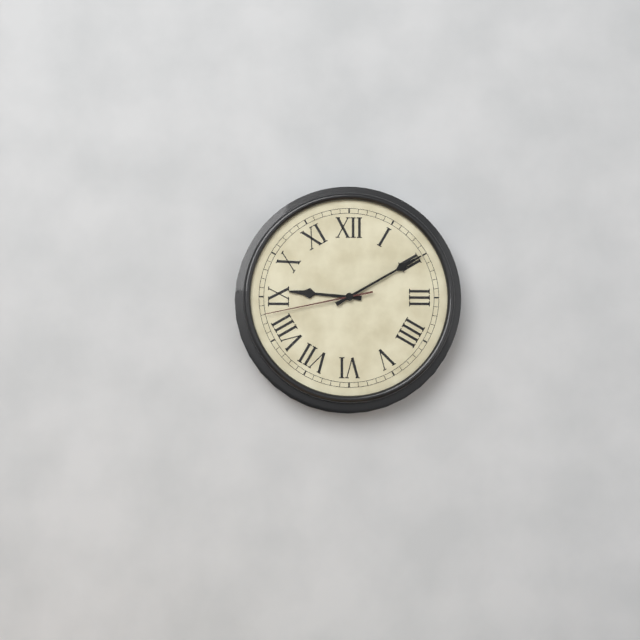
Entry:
h=9 m=10 s=43
